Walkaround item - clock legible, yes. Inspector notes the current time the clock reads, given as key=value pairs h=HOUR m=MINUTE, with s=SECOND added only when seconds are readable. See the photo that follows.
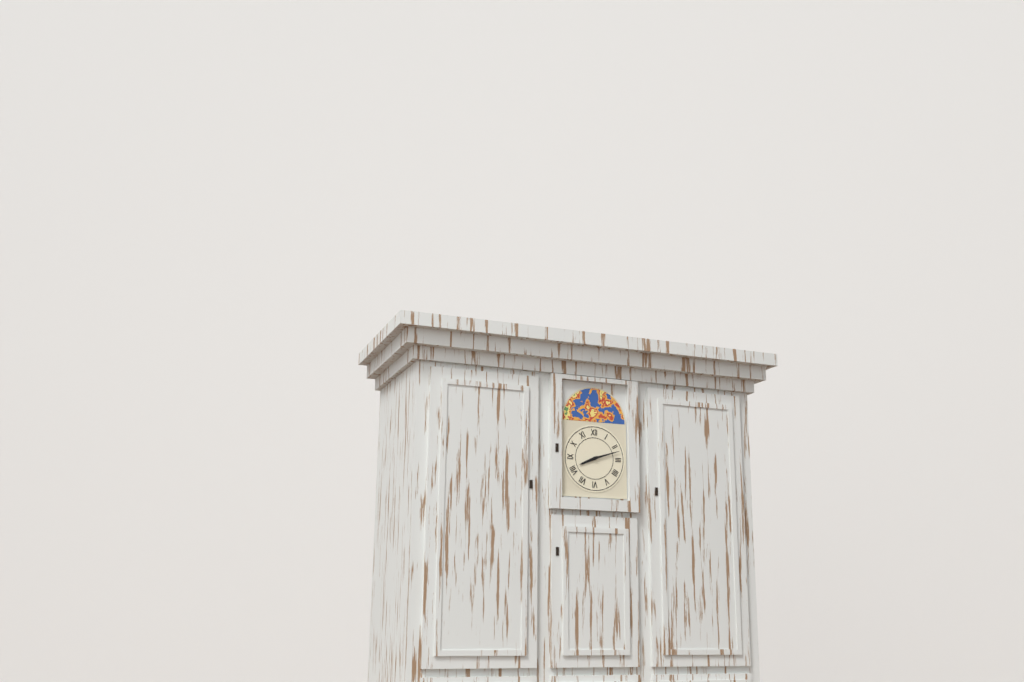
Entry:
h=8 m=12
